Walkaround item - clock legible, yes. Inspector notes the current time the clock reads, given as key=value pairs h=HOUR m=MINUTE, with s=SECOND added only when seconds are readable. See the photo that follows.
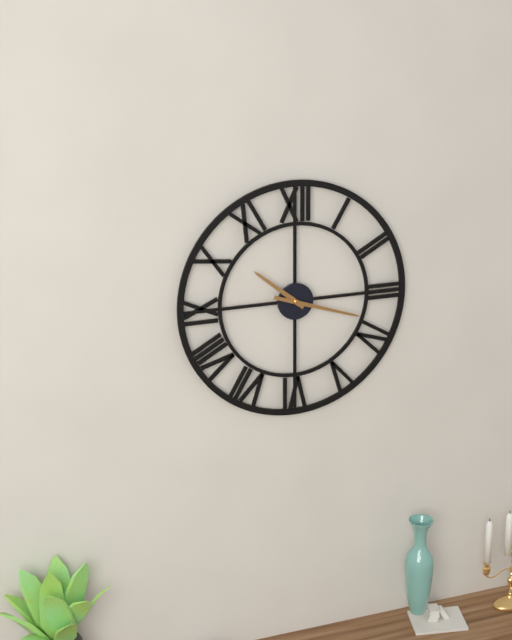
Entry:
h=10 m=18
